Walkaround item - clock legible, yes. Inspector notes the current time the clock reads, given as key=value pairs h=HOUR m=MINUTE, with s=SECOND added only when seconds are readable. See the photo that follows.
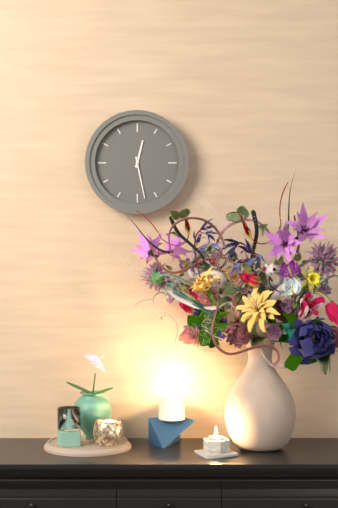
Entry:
h=12 m=28
